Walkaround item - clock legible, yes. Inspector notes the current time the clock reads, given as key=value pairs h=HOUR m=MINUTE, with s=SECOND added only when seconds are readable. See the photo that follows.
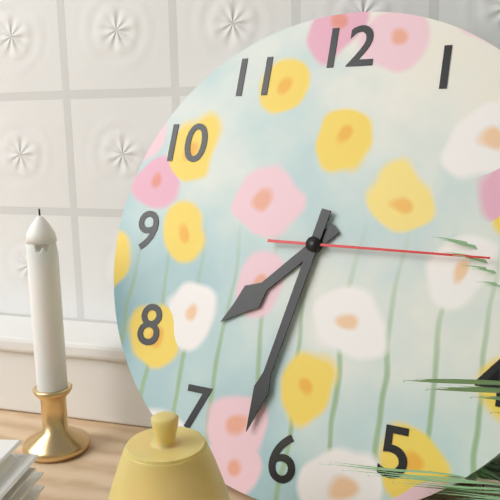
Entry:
h=7 m=32 s=15
